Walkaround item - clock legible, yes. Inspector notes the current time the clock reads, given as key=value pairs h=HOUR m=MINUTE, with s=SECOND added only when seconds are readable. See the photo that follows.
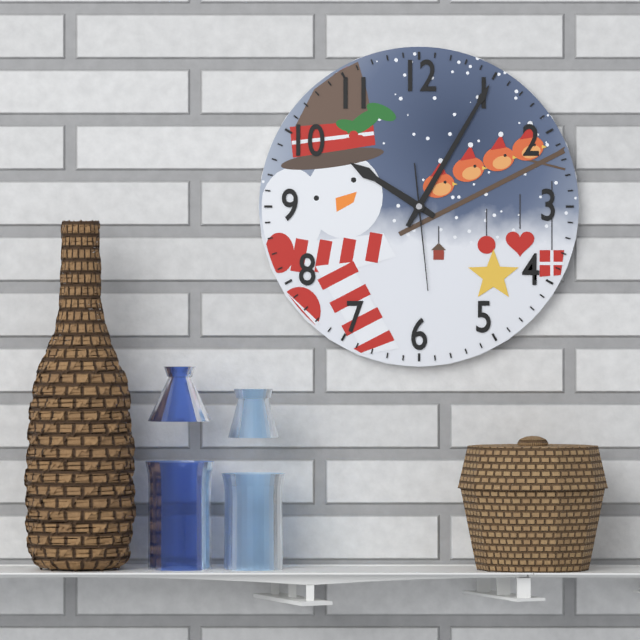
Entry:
h=10 m=5 s=29
